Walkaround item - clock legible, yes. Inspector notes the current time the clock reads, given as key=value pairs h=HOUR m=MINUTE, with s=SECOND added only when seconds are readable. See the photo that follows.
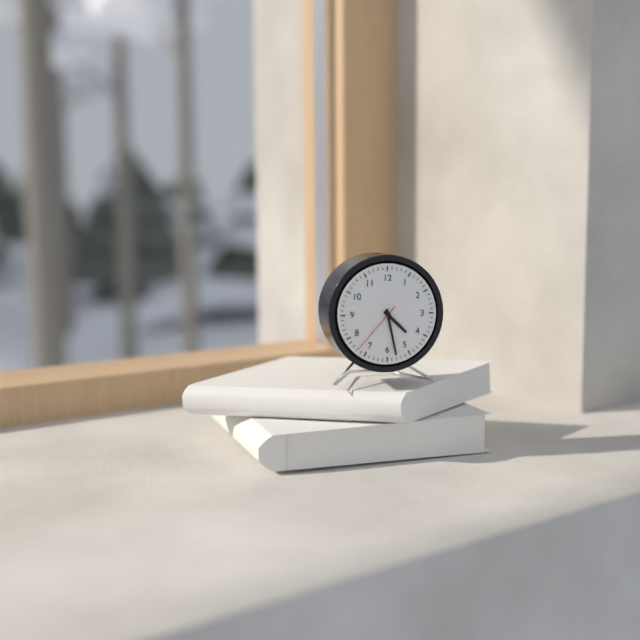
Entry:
h=4 m=28 s=37
